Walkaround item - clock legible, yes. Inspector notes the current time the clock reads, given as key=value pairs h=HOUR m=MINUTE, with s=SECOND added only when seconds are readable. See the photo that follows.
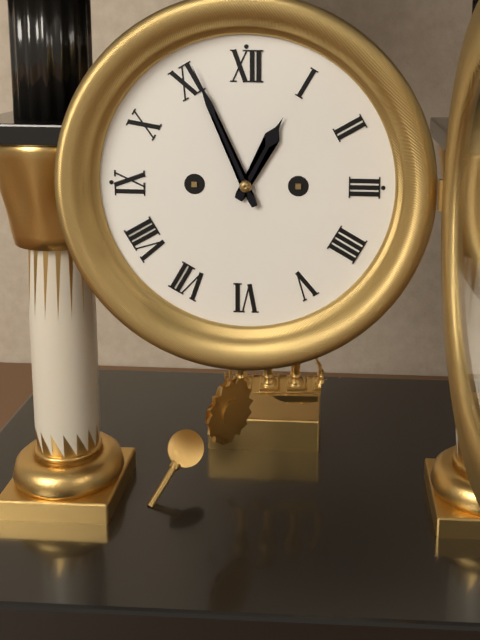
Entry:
h=12 m=56
